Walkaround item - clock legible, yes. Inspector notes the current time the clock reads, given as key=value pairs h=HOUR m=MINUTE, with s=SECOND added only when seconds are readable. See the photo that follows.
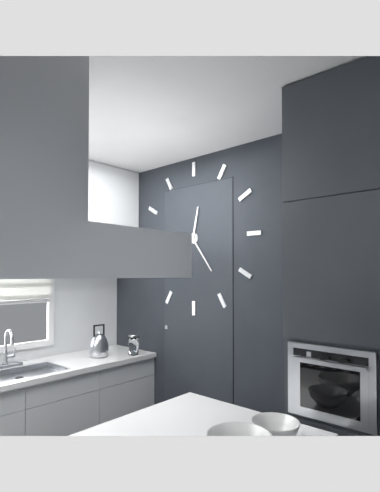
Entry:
h=12 m=24
